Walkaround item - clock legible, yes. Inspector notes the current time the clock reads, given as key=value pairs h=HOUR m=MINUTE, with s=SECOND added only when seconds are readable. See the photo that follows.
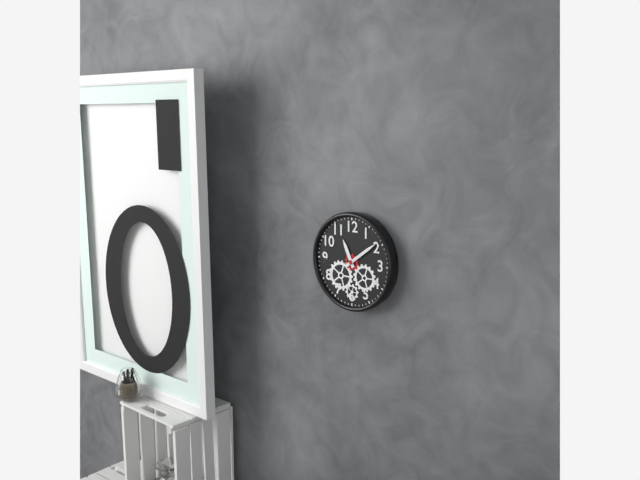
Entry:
h=11 m=9
